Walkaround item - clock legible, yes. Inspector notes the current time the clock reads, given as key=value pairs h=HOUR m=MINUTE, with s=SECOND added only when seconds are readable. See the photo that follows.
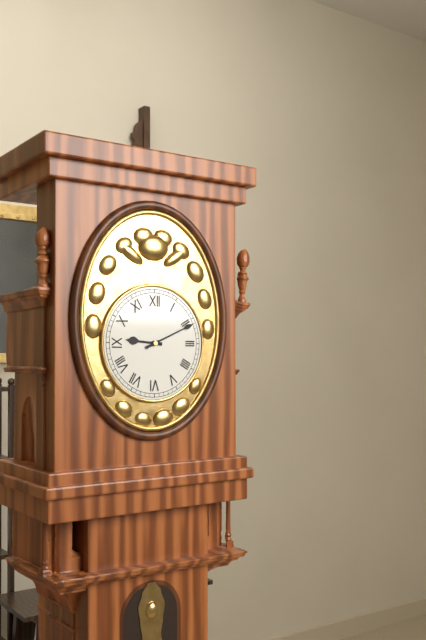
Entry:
h=9 m=11
